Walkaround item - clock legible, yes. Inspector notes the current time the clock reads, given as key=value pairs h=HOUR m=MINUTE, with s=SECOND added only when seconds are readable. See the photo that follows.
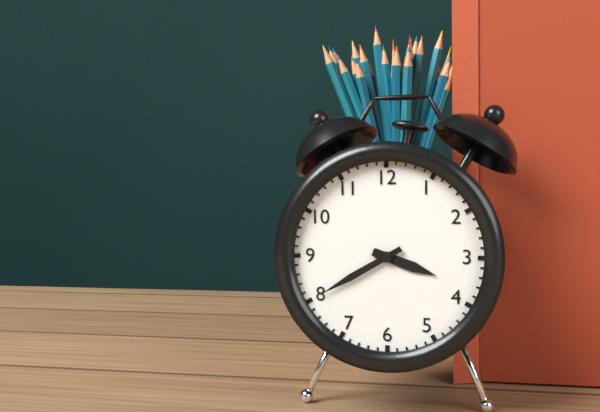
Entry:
h=3 m=40
